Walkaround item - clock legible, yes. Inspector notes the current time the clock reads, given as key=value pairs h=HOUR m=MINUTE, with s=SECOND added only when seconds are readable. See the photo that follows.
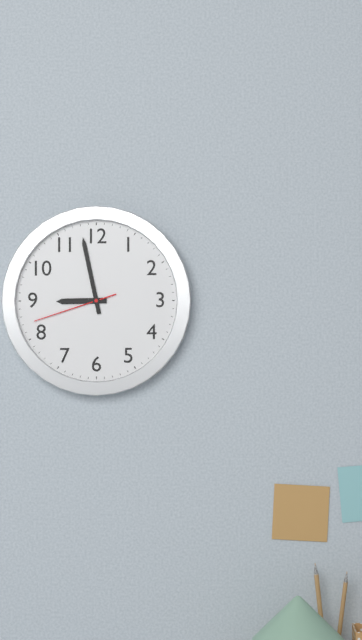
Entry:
h=8 m=58 s=42
